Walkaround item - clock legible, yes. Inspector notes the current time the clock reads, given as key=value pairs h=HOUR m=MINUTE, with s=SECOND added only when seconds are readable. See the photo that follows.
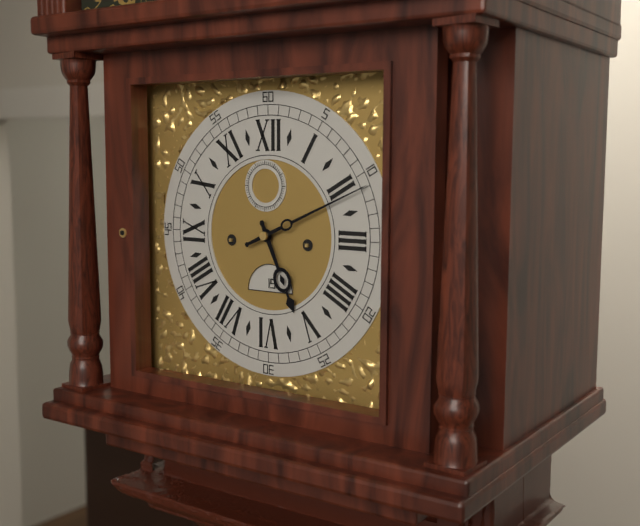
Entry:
h=5 m=11
